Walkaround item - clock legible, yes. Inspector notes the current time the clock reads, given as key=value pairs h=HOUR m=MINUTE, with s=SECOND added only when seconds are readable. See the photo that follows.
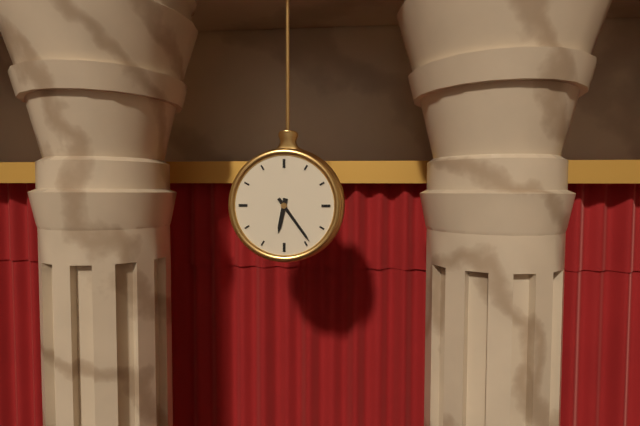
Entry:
h=6 m=24
